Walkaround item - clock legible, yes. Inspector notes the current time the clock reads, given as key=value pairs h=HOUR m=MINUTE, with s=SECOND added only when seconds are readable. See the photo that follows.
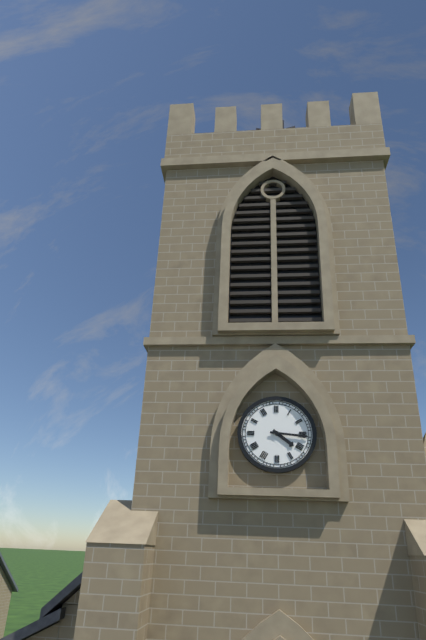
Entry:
h=4 m=16
